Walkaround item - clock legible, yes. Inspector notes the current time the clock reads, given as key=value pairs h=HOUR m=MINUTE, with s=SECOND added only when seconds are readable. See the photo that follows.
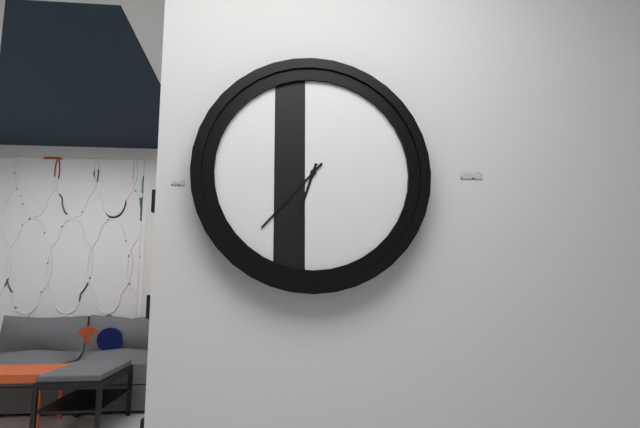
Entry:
h=6 m=37
